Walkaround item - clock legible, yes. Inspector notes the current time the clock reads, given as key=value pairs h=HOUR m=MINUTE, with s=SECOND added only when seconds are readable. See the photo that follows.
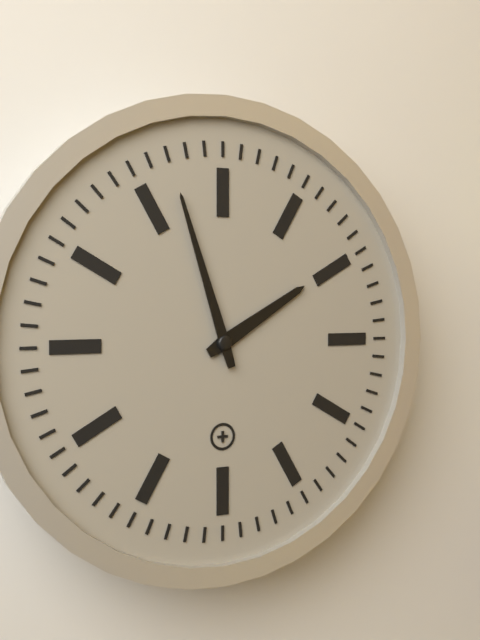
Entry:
h=1 m=57
